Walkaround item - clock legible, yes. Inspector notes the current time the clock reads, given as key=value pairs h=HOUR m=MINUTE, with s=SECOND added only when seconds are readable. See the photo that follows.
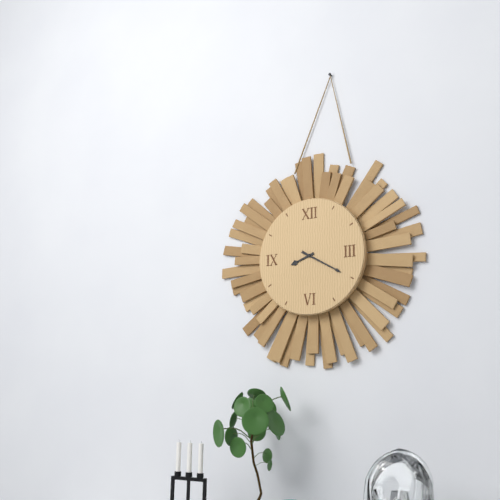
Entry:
h=8 m=20
